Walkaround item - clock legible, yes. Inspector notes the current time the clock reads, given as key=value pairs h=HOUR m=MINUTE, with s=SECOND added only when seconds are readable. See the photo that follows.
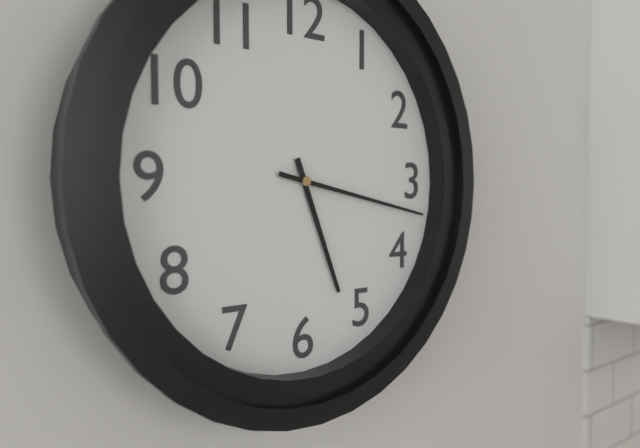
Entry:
h=5 m=17
